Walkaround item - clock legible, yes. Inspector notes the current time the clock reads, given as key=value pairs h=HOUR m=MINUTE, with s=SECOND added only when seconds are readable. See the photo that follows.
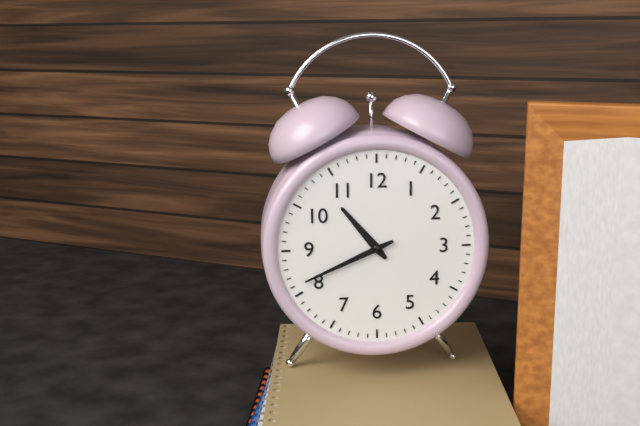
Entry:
h=10 m=41
